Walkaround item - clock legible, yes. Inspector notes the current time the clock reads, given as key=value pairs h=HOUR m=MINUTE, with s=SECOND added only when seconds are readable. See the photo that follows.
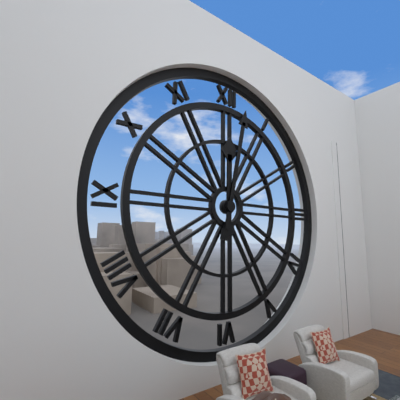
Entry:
h=12 m=2
